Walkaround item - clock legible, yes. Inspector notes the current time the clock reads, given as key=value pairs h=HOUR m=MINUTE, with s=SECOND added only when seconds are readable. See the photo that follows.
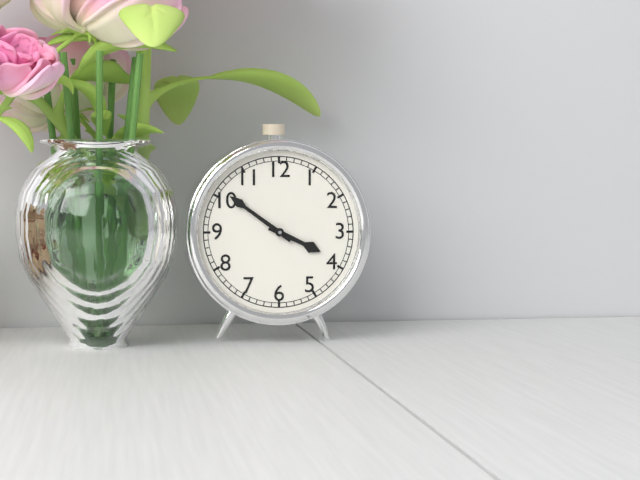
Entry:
h=3 m=51
